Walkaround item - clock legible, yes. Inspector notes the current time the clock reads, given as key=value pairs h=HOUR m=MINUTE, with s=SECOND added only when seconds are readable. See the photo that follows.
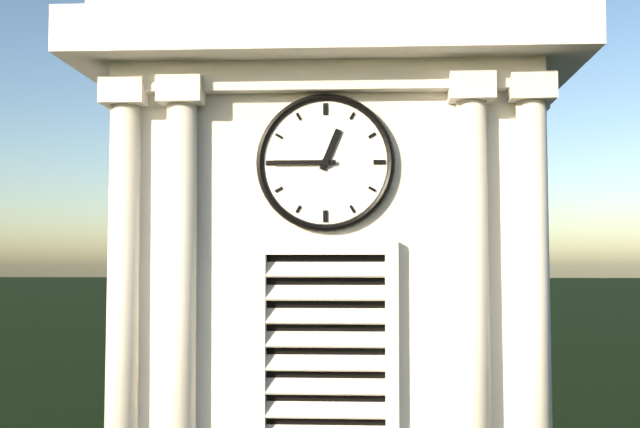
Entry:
h=12 m=45
